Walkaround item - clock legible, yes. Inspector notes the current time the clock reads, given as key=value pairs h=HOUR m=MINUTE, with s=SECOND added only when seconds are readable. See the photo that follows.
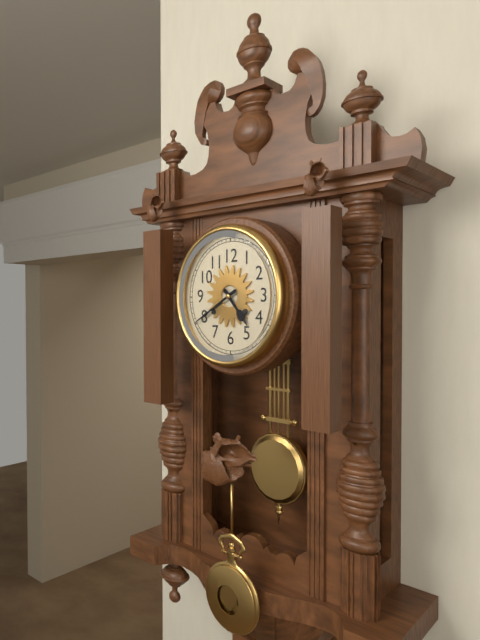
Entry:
h=4 m=40
